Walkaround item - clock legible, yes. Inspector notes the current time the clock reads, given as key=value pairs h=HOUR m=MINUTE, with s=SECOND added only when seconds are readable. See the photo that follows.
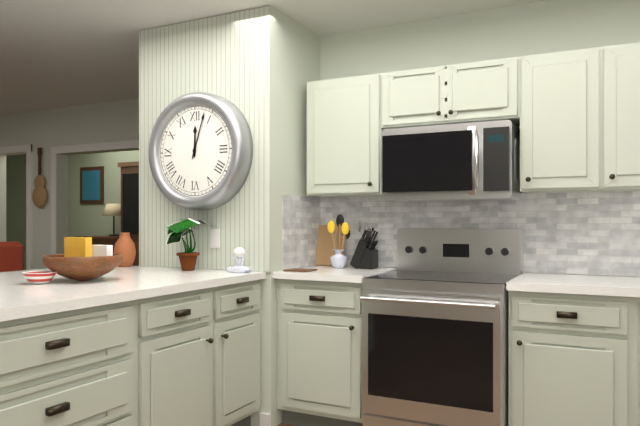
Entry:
h=12 m=3
